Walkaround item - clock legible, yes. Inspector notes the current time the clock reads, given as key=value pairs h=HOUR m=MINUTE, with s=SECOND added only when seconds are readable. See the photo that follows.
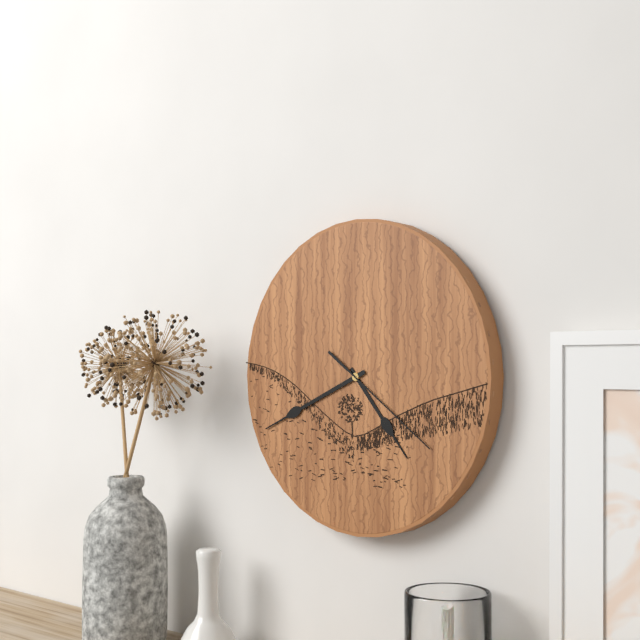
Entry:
h=4 m=41 s=21
